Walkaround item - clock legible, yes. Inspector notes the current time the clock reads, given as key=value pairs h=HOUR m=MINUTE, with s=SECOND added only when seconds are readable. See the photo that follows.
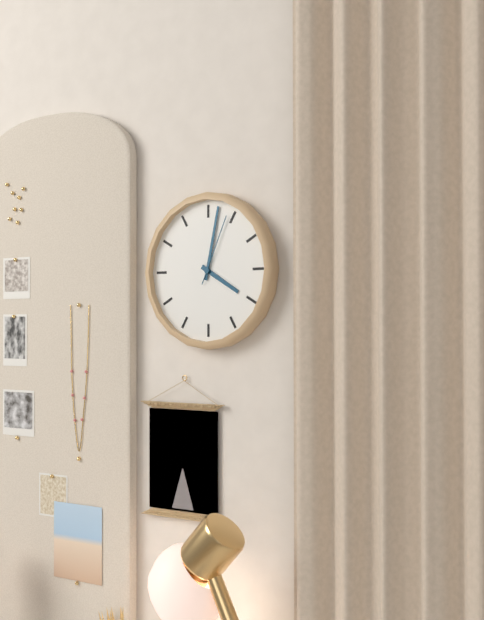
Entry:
h=4 m=2 s=4
